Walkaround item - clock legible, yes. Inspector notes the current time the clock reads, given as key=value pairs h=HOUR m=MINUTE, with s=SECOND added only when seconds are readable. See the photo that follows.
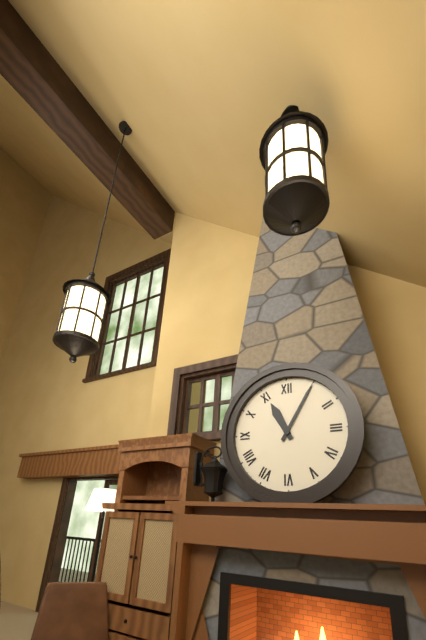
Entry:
h=11 m=5
